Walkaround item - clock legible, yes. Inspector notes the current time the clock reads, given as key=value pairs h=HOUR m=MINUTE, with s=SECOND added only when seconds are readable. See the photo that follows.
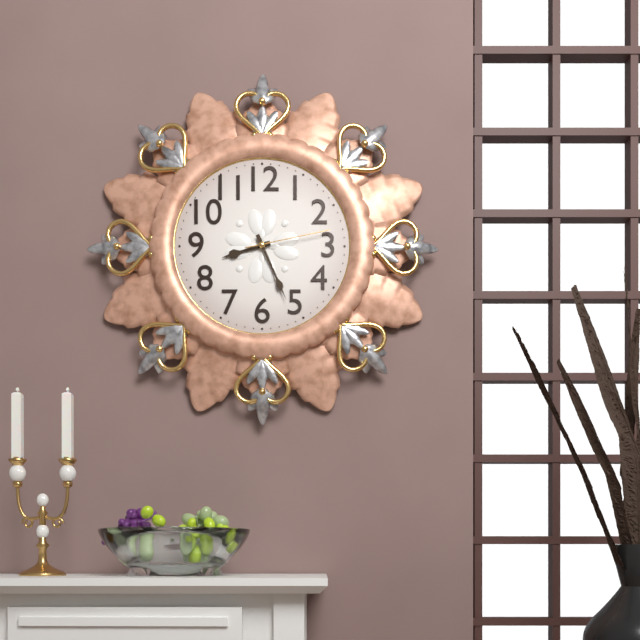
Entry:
h=8 m=26 s=13
